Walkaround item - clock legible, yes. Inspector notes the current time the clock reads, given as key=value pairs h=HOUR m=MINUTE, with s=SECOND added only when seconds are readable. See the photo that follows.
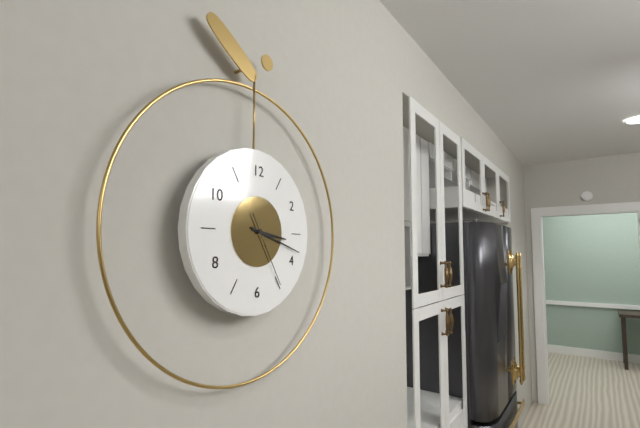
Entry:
h=3 m=18 s=25
